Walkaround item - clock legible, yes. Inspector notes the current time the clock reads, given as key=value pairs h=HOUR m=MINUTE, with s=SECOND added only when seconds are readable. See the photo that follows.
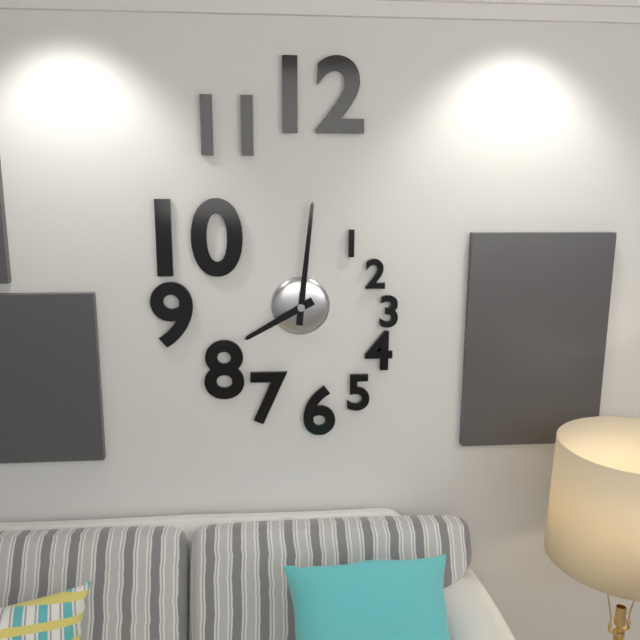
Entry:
h=8 m=1
